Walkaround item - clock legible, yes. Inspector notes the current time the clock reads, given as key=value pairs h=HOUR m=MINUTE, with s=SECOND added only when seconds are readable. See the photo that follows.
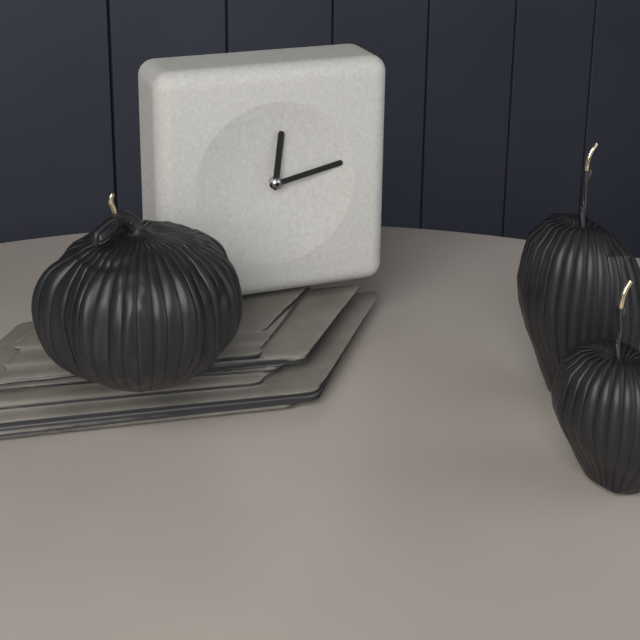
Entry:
h=12 m=13
